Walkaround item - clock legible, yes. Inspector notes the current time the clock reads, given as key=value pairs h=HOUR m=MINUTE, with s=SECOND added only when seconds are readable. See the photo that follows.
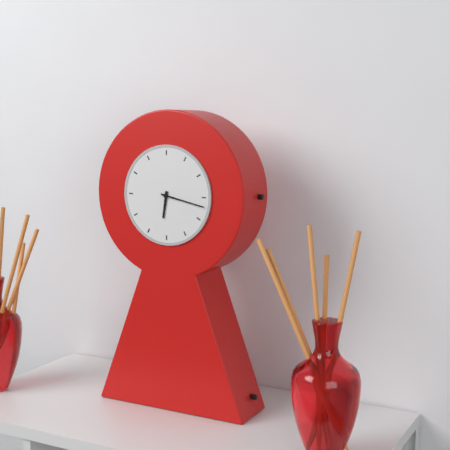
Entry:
h=6 m=17
